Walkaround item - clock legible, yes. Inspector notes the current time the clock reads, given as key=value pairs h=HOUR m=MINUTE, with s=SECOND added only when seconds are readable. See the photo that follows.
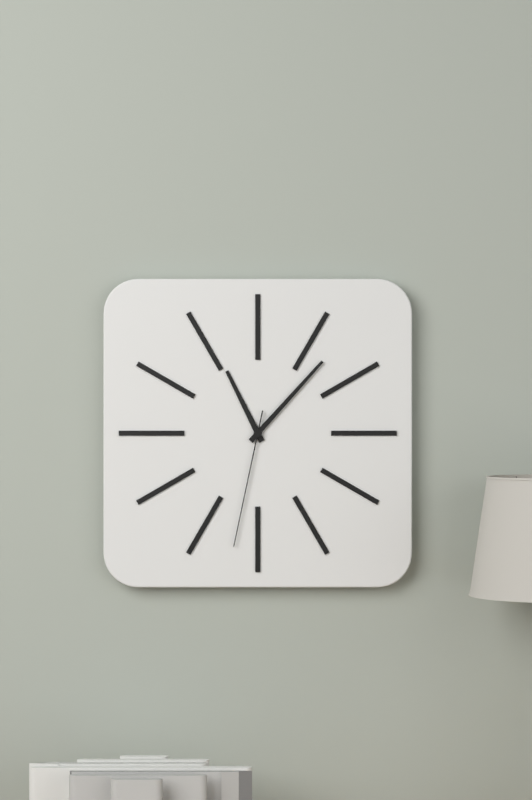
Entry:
h=11 m=7 s=32
